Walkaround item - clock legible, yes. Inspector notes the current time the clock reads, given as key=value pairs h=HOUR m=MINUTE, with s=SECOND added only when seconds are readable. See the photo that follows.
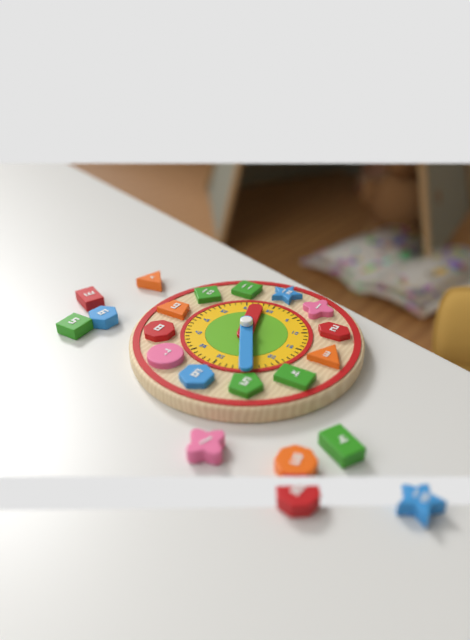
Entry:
h=11 m=25
